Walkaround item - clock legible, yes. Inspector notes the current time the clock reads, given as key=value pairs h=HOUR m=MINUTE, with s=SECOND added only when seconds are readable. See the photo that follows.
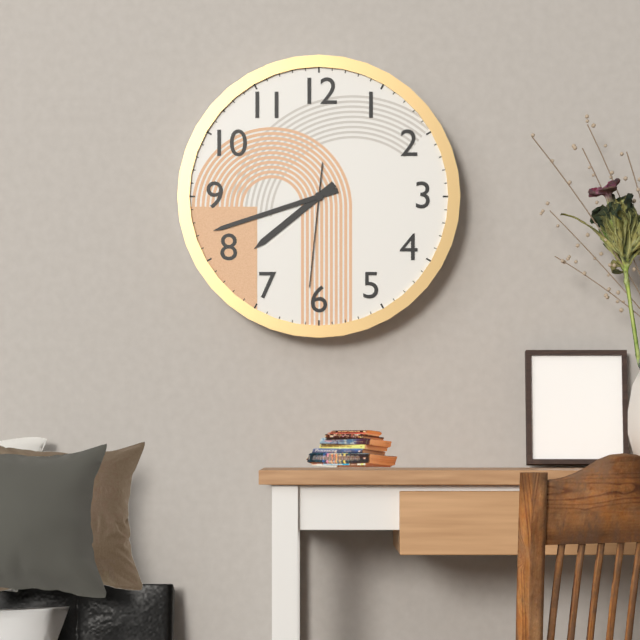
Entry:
h=7 m=42 s=31
